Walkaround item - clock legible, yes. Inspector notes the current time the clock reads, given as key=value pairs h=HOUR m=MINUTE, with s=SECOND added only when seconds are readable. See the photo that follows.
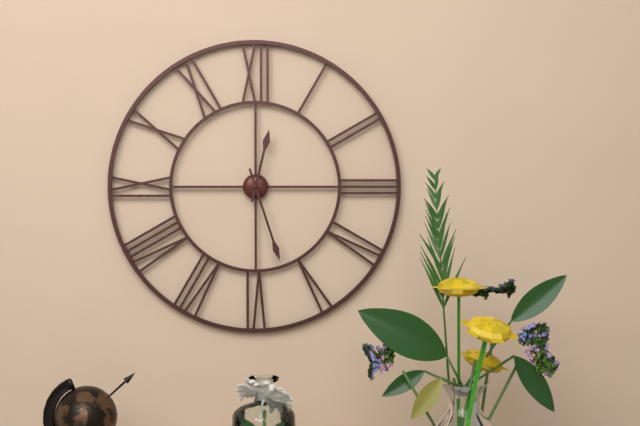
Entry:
h=12 m=27
